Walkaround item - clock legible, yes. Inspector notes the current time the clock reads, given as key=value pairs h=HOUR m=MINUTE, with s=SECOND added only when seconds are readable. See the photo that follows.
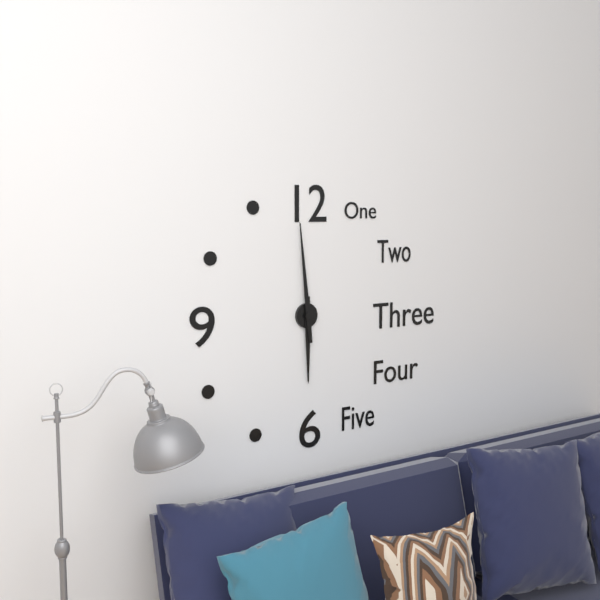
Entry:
h=5 m=59
